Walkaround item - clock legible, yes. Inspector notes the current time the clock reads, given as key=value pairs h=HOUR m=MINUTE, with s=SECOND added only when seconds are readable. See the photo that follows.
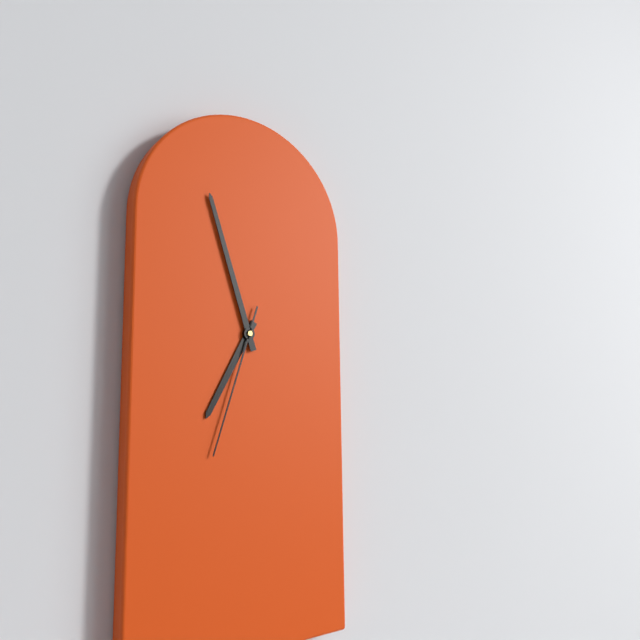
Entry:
h=6 m=57 s=33
